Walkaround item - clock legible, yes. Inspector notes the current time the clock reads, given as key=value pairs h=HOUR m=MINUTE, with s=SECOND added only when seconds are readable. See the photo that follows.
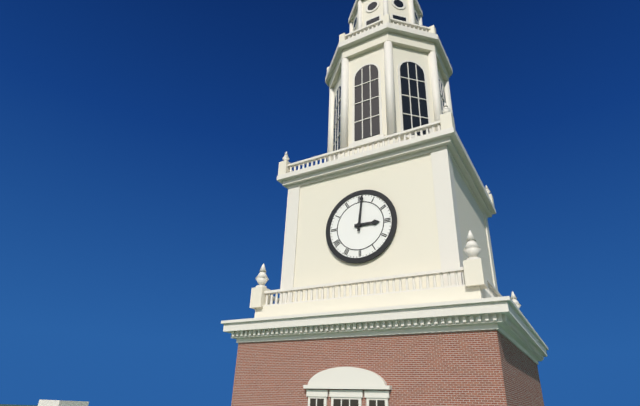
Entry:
h=3 m=1
